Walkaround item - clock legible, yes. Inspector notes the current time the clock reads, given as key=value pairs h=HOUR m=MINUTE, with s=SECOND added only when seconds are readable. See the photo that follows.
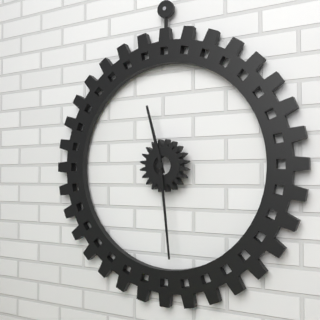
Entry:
h=11 m=29
